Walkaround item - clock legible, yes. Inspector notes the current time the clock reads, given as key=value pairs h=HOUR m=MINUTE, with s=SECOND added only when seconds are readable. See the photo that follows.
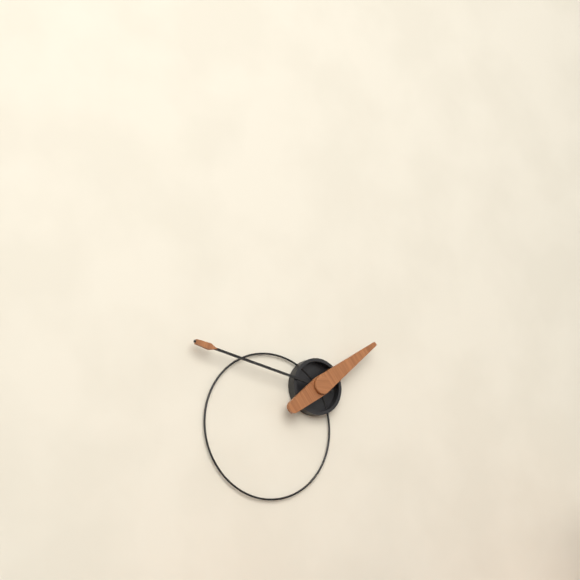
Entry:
h=1 m=47
